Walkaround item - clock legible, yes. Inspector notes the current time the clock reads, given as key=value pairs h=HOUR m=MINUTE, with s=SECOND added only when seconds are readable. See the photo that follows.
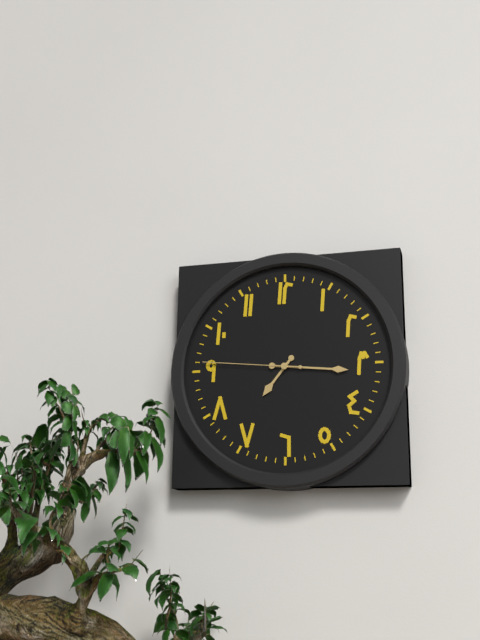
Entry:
h=7 m=16 s=46
